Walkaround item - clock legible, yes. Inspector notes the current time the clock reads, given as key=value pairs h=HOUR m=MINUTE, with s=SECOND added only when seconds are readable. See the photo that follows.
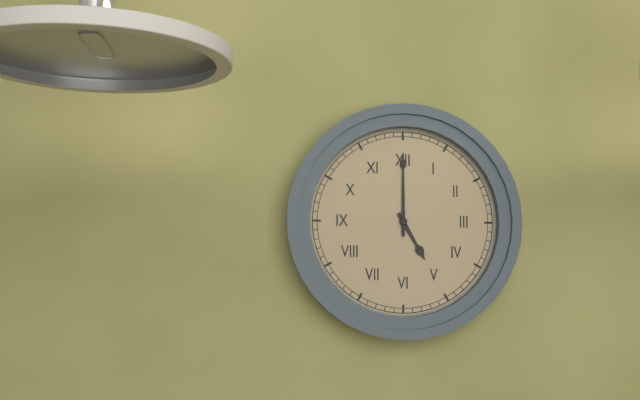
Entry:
h=5 m=0
